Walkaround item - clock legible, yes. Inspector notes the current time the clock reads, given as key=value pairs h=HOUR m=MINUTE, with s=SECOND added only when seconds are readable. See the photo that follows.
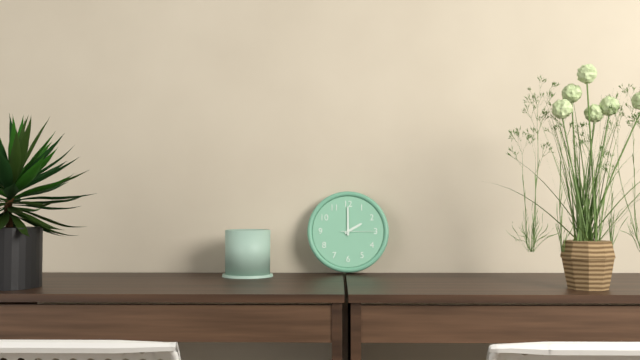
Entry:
h=2 m=0
